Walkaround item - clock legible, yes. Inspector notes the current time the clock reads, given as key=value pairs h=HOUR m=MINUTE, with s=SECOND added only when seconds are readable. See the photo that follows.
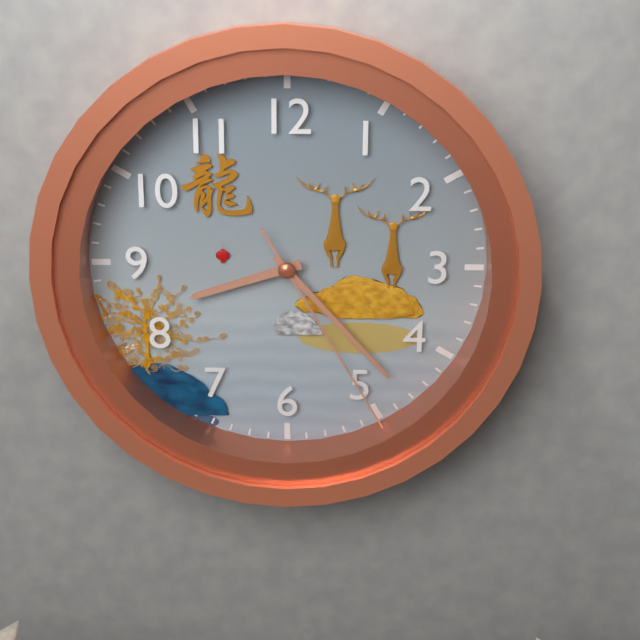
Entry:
h=8 m=23 s=25
